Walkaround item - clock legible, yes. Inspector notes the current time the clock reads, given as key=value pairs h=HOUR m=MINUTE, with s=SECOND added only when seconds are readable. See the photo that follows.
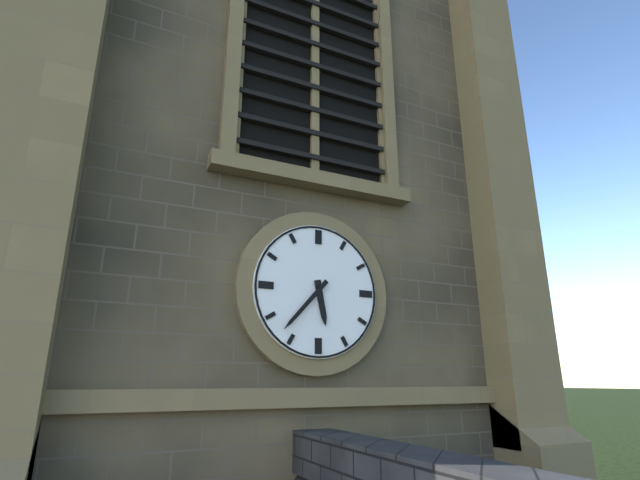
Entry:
h=5 m=37
